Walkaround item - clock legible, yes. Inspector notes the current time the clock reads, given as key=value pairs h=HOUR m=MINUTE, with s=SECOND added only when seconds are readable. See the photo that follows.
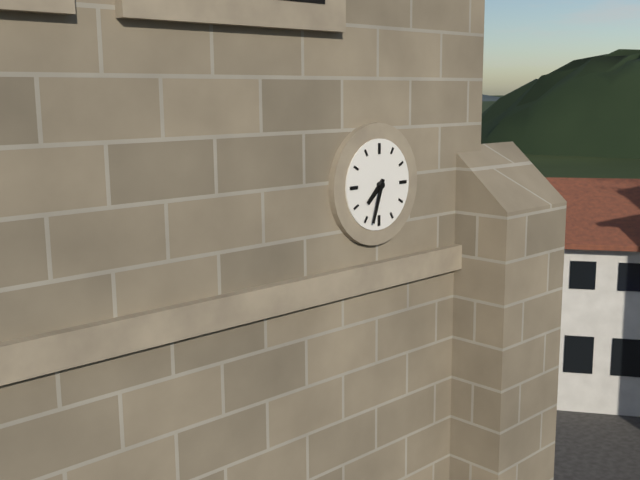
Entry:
h=7 m=33
